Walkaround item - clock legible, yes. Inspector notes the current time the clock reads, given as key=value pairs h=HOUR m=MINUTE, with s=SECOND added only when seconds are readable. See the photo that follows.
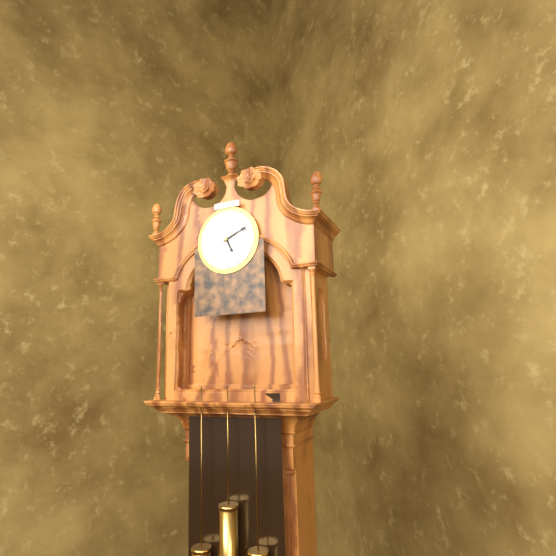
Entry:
h=5 m=11
